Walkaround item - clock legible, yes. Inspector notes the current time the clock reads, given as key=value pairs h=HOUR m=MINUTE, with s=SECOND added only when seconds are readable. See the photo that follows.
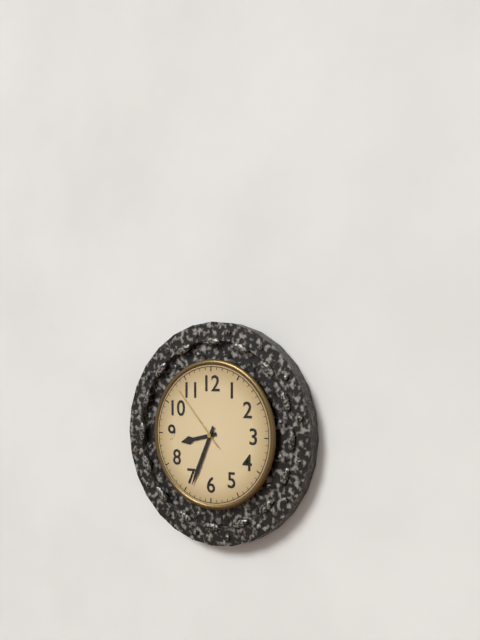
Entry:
h=8 m=34 s=53
